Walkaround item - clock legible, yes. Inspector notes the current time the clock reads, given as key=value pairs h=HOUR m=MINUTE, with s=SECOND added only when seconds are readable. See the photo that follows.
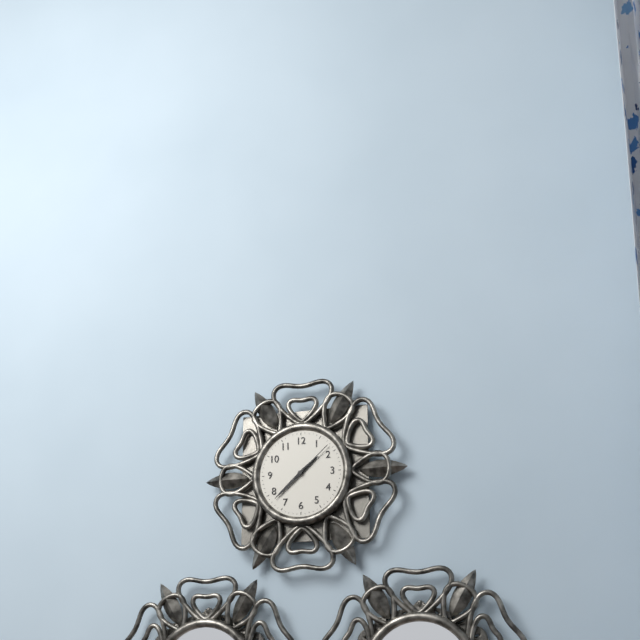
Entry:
h=1 m=38
